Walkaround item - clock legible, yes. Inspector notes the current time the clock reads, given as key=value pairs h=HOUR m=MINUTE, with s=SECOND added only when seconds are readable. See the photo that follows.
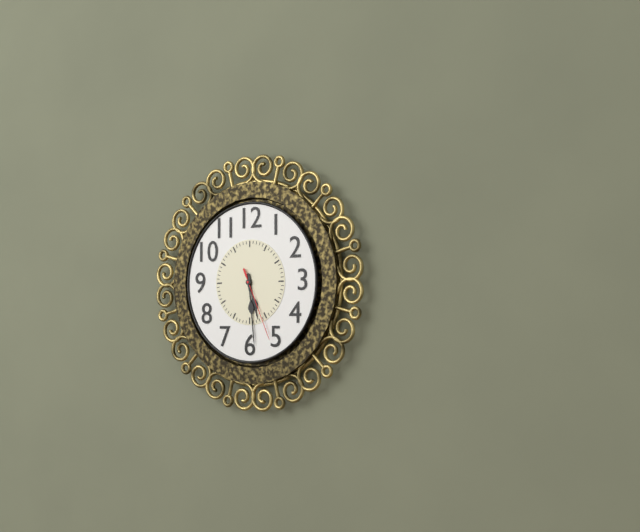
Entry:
h=5 m=29 s=26
